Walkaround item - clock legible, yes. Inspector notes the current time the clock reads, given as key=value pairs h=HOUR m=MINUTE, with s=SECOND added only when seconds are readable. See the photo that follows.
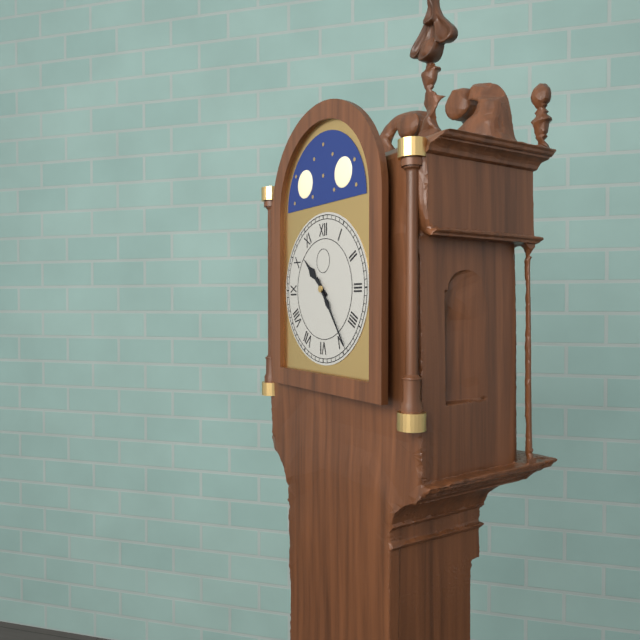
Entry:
h=10 m=24
